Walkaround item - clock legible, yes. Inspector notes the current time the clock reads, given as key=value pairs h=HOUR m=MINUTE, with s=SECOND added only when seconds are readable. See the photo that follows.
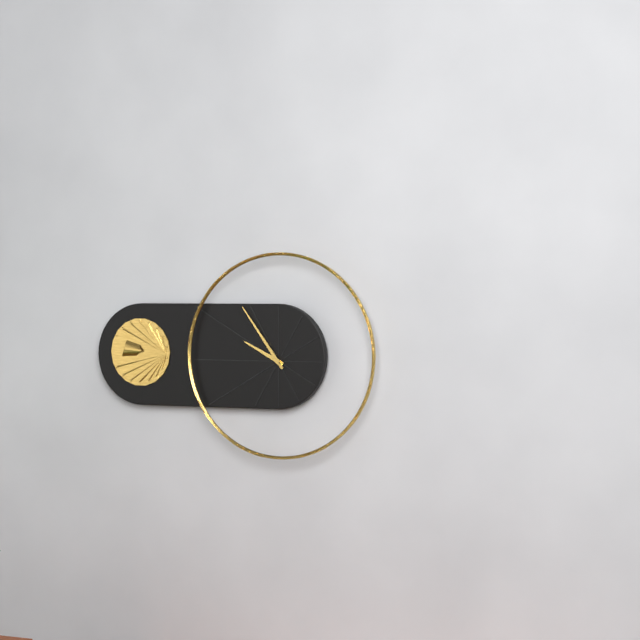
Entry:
h=9 m=54
